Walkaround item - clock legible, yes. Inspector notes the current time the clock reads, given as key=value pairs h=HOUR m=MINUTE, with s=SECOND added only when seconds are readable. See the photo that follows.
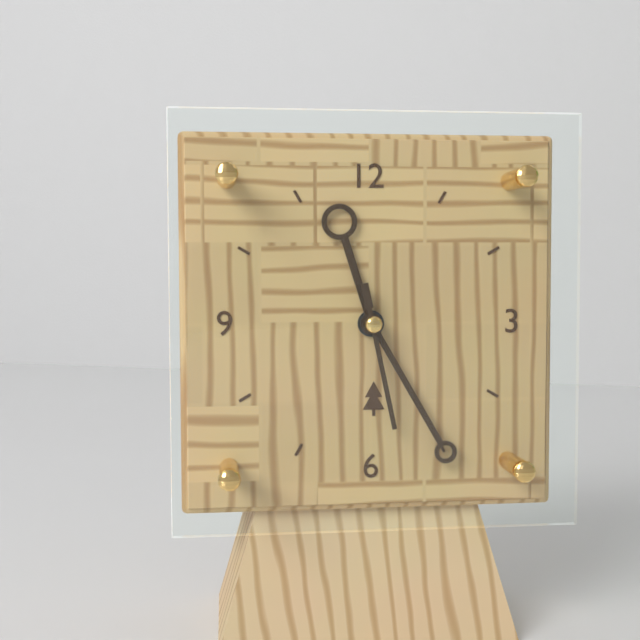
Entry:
h=11 m=25 s=28
